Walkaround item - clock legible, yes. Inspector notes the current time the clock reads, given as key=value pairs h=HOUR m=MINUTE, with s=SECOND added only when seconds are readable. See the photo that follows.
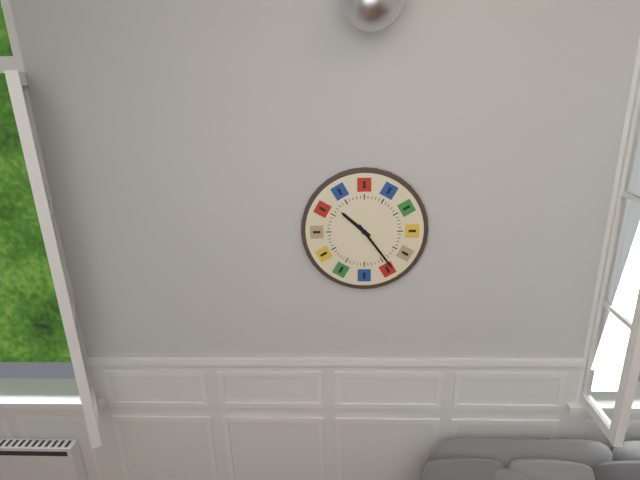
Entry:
h=10 m=24
